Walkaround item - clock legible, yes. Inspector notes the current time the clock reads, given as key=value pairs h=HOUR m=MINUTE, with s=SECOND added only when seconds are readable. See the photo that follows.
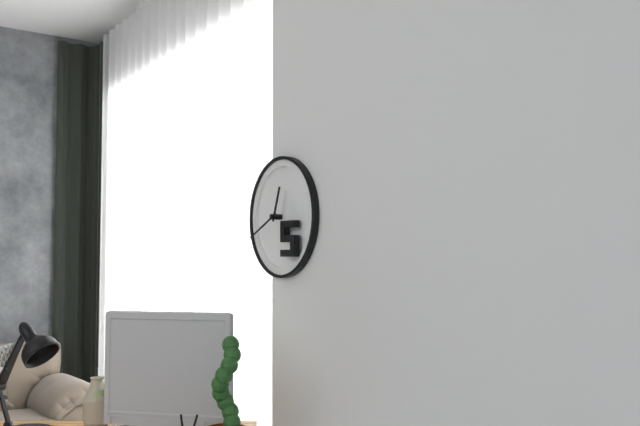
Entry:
h=12 m=41
